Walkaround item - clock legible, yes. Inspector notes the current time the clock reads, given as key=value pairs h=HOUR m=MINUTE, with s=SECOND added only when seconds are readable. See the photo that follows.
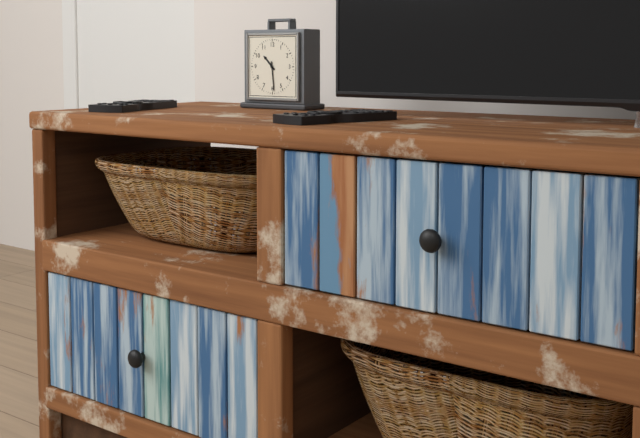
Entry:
h=10 m=29
